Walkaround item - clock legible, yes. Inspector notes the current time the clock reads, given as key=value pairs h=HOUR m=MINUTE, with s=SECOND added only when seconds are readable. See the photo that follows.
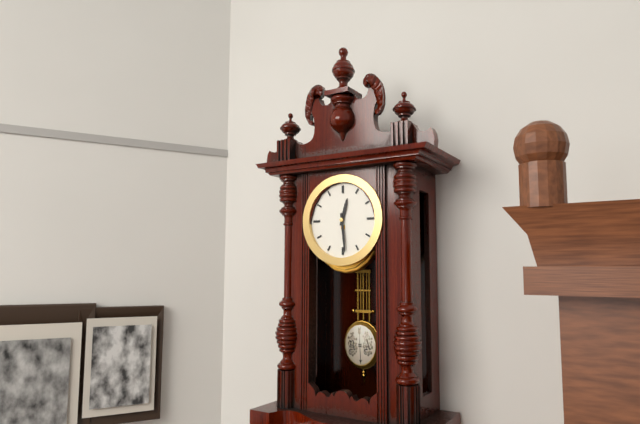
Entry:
h=12 m=29
